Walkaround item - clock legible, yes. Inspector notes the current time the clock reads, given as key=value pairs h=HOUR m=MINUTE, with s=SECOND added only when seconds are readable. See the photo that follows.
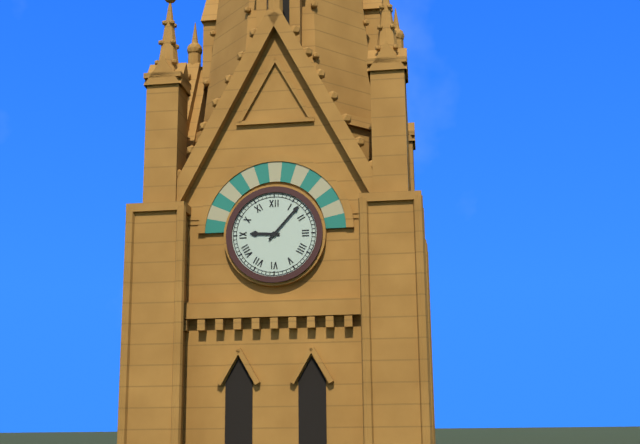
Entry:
h=9 m=7
